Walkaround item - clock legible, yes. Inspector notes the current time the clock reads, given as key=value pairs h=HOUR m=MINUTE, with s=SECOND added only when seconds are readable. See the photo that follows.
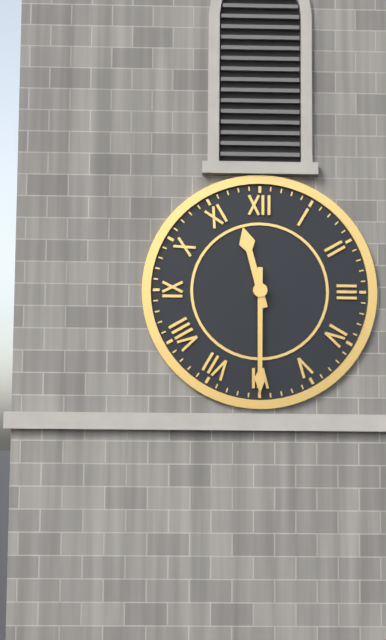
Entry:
h=11 m=30
